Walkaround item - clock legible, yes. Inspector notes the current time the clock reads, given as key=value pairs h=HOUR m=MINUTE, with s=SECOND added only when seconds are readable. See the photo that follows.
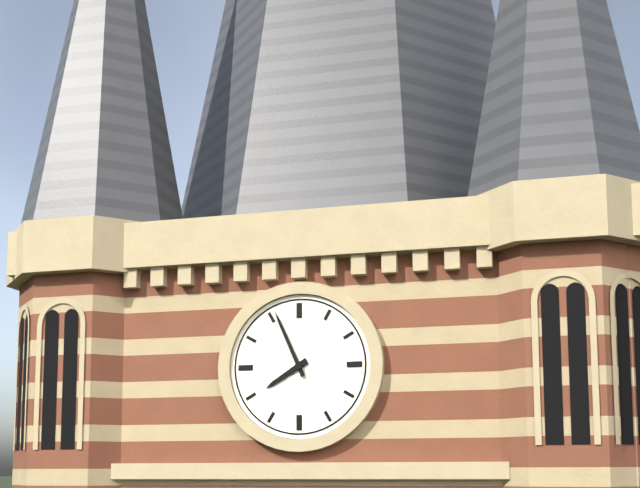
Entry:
h=7 m=56
